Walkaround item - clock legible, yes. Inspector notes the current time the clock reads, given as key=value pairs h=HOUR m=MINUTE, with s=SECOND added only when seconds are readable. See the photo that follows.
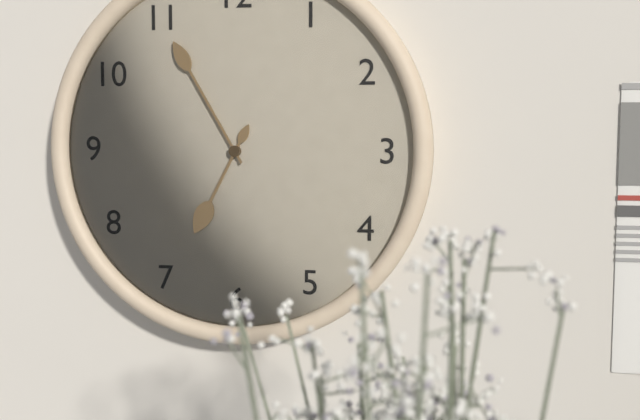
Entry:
h=6 m=55
